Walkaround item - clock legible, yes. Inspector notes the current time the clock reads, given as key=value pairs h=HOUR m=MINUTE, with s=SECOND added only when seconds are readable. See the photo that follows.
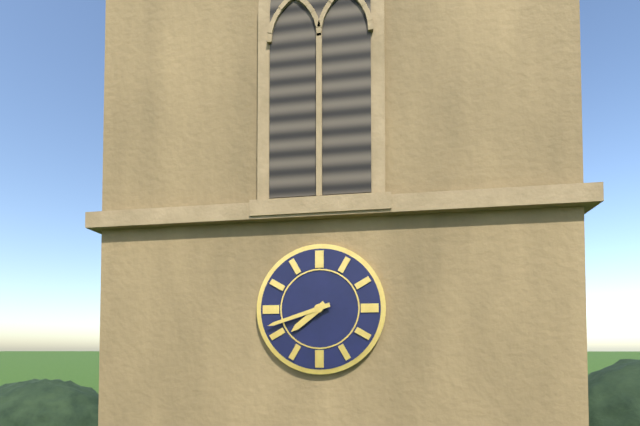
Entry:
h=7 m=42
